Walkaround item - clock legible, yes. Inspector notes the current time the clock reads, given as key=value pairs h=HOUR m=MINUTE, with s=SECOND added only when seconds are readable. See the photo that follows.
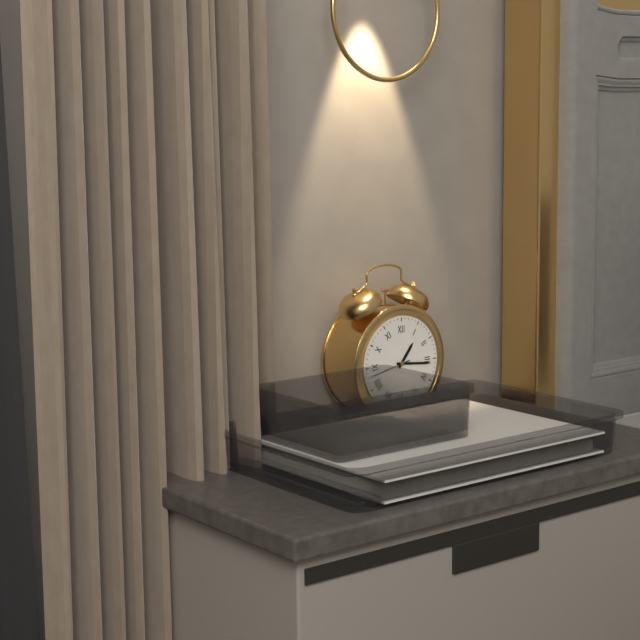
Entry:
h=1 m=16
